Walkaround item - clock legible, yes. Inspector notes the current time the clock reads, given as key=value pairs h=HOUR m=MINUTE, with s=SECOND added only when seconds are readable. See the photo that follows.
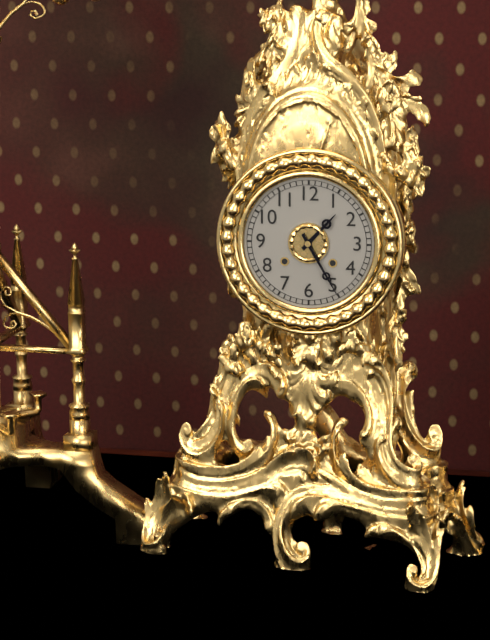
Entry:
h=1 m=25
